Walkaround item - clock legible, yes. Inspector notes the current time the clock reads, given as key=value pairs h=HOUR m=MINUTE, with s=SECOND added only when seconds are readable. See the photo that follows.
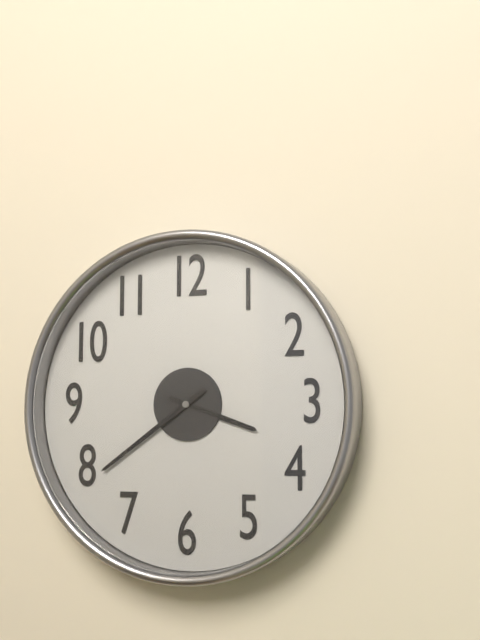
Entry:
h=3 m=39
